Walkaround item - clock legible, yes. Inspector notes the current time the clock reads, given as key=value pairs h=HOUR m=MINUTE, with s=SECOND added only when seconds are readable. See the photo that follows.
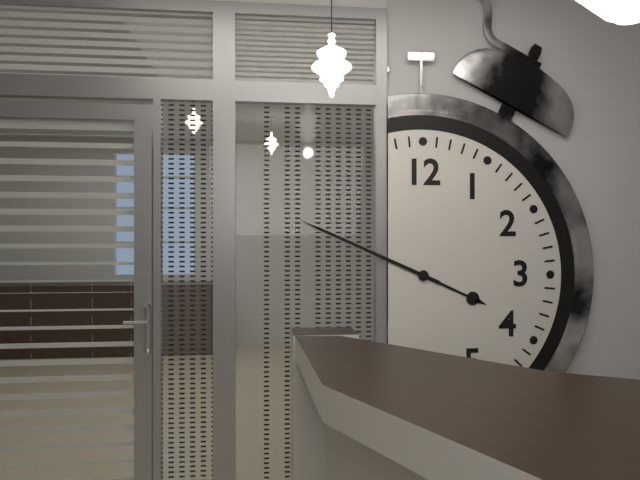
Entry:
h=3 m=49
